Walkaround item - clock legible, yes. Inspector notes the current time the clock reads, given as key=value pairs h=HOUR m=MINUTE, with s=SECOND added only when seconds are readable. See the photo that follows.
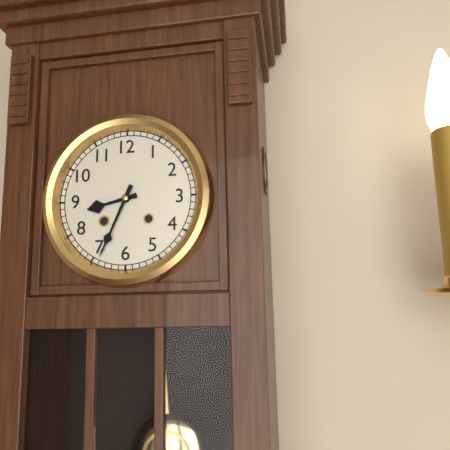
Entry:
h=8 m=34
